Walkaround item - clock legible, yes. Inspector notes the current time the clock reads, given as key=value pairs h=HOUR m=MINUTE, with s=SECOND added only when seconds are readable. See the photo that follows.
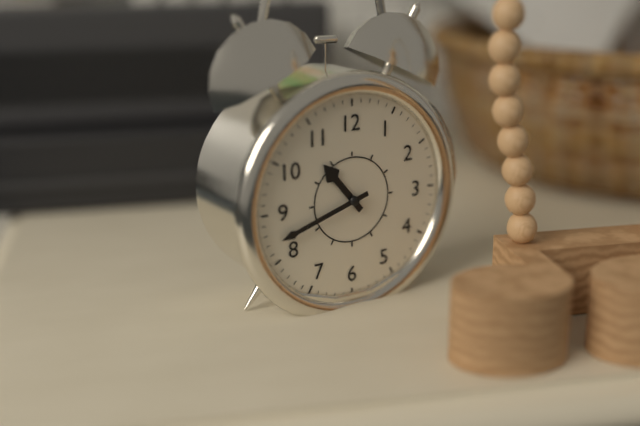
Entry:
h=10 m=42
